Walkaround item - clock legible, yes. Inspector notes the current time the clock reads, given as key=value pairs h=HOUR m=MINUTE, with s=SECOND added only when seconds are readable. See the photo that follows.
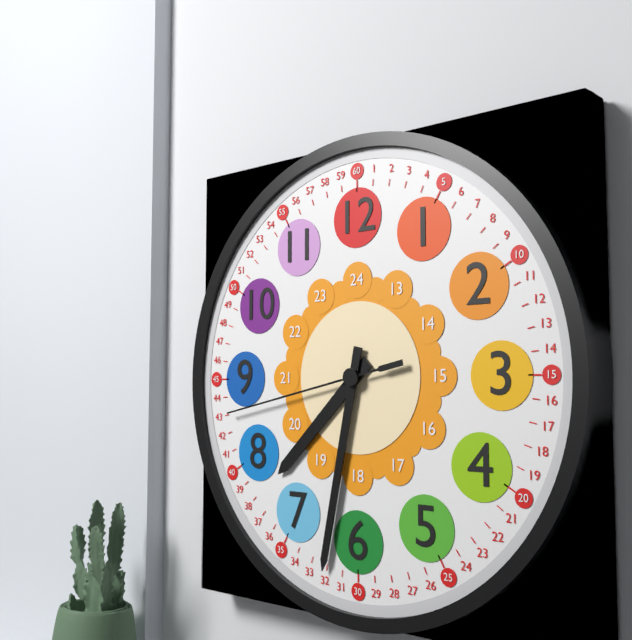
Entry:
h=7 m=32 s=43
